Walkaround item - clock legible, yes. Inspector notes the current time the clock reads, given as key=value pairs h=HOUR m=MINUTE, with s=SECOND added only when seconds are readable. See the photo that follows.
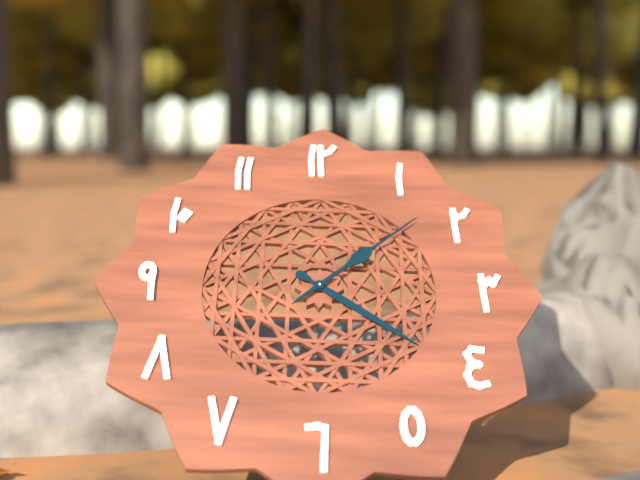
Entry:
h=4 m=8
